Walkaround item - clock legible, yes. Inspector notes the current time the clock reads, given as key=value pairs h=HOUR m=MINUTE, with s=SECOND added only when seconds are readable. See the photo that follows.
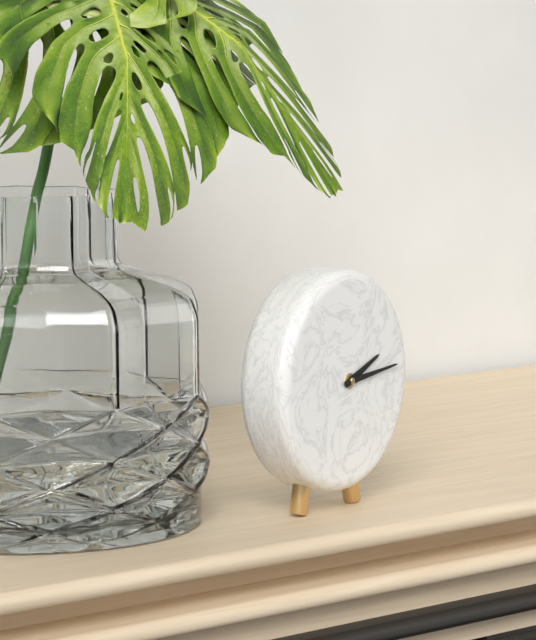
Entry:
h=2 m=14
